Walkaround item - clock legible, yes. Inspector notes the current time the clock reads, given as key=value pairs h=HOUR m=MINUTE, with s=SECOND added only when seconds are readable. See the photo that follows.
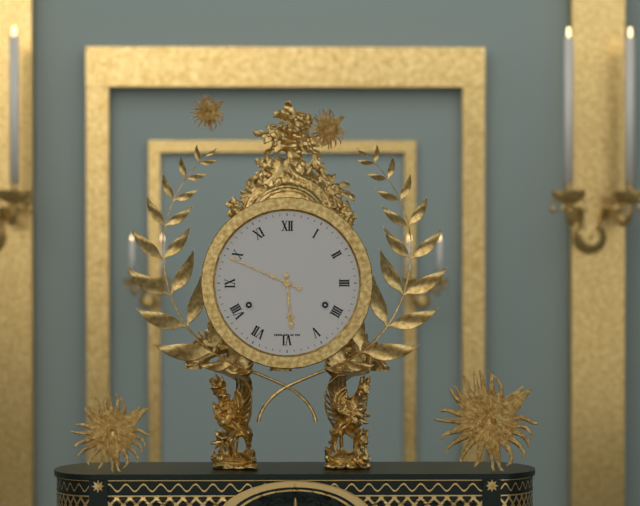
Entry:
h=5 m=49
